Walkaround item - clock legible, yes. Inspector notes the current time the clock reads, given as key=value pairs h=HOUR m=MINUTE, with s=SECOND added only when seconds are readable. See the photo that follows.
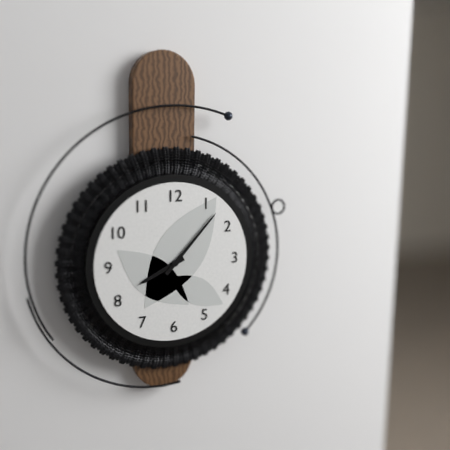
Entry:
h=8 m=7
